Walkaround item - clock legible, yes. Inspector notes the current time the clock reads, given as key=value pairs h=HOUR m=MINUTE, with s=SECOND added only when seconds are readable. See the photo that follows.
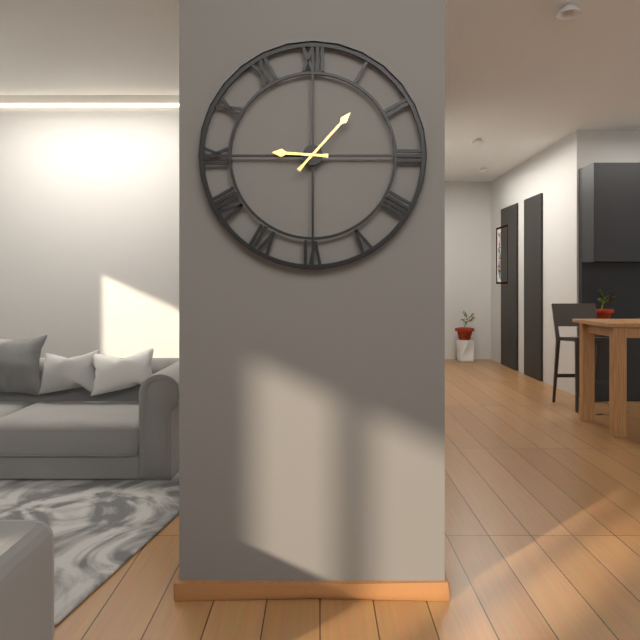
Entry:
h=9 m=7
